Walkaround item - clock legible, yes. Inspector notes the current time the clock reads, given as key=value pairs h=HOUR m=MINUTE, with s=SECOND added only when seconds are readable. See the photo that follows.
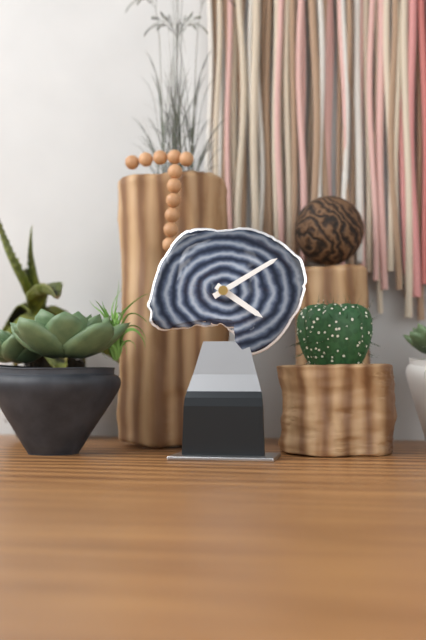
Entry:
h=4 m=10
